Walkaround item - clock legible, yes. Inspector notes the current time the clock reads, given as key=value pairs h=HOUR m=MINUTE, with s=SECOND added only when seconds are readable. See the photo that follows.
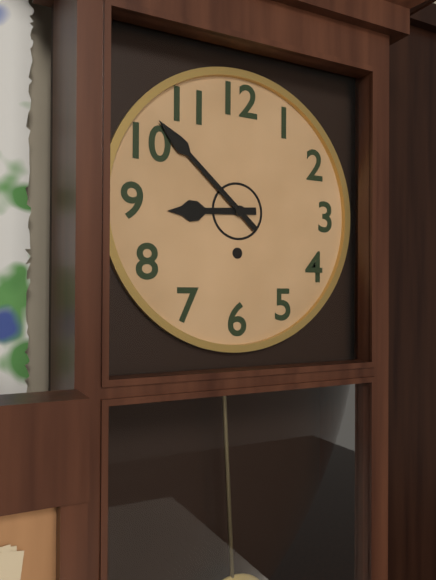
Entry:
h=8 m=52
